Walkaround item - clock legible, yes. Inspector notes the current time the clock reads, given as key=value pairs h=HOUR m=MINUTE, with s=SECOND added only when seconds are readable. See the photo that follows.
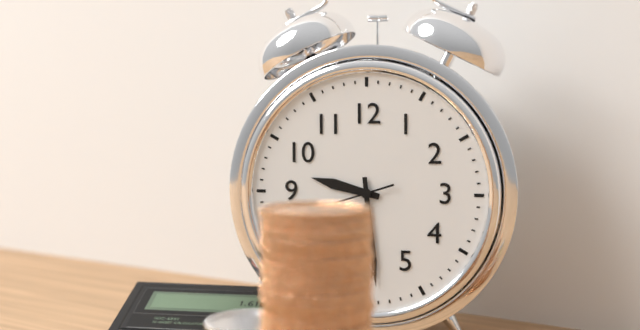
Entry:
h=9 m=29
